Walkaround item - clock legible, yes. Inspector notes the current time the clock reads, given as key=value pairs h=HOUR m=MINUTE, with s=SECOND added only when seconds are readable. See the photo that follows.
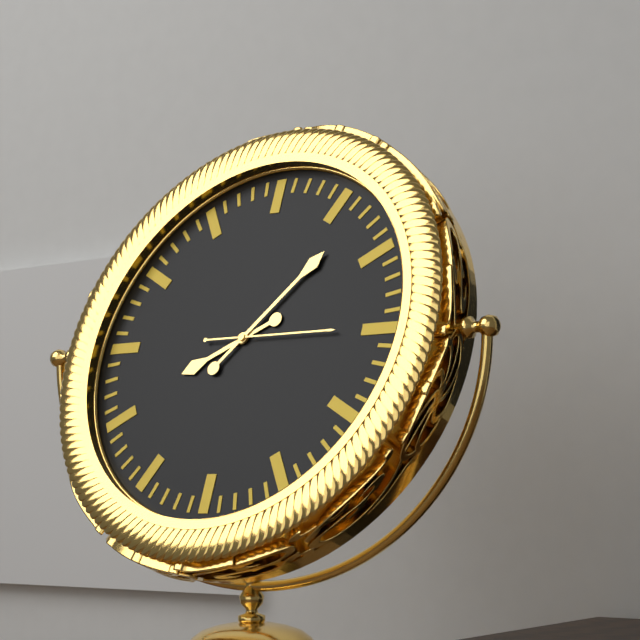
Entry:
h=8 m=7 s=15
